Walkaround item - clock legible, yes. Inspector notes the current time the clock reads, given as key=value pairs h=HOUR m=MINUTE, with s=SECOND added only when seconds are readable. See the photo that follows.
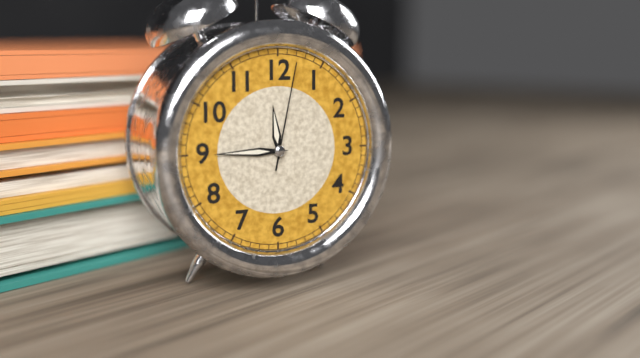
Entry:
h=11 m=45 s=2
